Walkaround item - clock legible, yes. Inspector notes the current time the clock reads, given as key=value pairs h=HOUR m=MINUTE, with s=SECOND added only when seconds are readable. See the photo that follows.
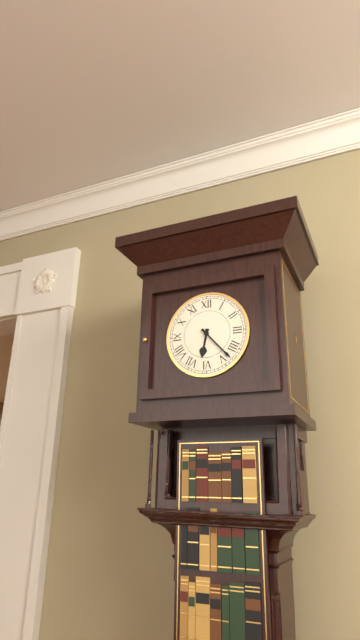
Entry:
h=6 m=23
